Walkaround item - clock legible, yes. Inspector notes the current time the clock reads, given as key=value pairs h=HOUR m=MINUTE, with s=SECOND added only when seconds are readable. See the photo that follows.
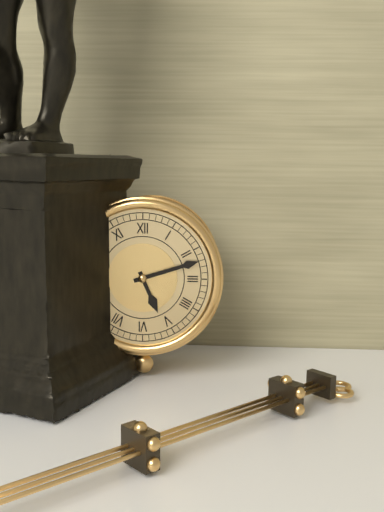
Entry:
h=5 m=12
